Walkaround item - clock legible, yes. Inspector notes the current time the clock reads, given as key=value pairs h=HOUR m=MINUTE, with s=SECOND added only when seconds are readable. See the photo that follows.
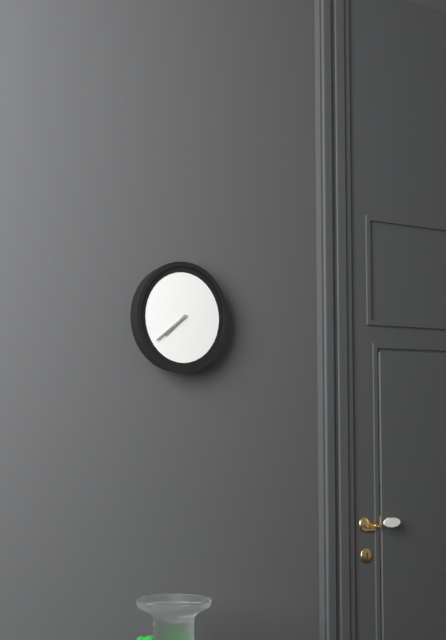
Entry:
h=7 m=39
